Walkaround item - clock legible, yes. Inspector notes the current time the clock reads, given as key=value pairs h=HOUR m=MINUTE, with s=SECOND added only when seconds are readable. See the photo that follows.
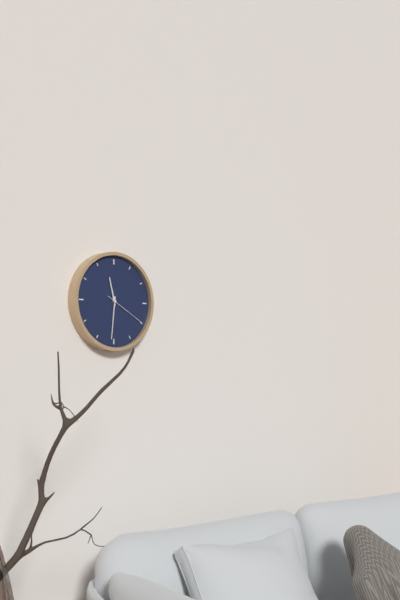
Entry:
h=11 m=31
